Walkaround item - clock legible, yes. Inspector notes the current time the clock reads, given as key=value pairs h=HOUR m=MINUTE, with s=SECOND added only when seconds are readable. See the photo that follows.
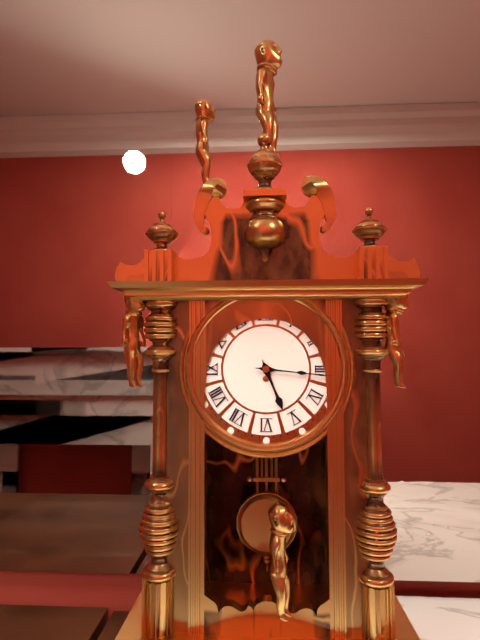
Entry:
h=5 m=16
